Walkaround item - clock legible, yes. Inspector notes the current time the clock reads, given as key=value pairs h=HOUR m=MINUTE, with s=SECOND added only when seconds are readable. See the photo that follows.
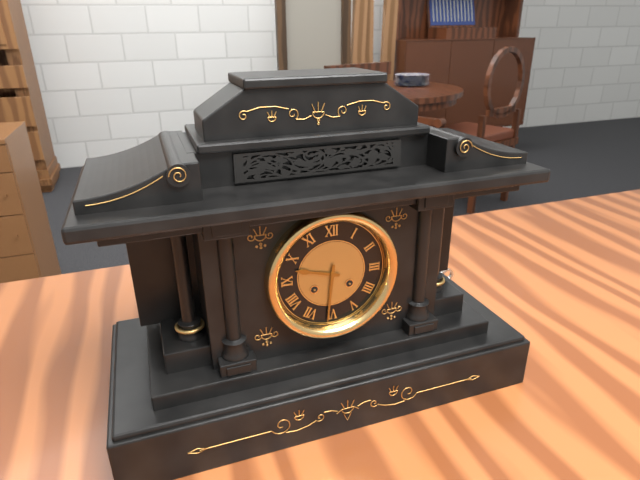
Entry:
h=9 m=31
